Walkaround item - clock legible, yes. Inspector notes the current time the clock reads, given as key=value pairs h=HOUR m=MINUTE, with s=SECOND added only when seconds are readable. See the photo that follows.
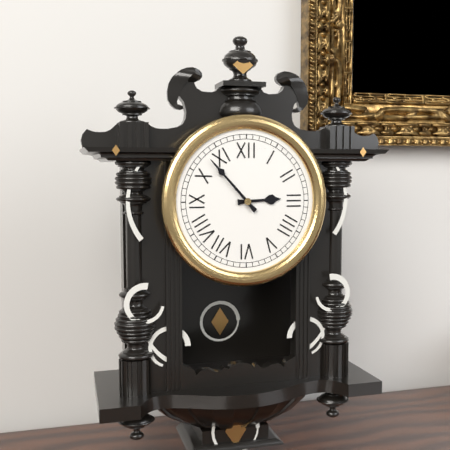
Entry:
h=2 m=53
